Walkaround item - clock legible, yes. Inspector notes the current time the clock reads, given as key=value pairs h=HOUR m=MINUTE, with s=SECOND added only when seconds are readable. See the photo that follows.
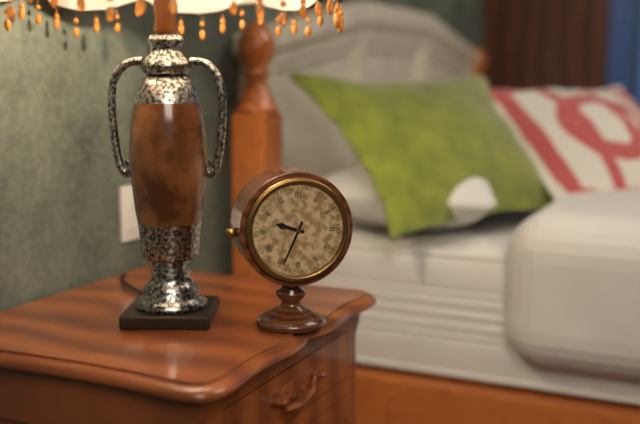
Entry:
h=9 m=34
